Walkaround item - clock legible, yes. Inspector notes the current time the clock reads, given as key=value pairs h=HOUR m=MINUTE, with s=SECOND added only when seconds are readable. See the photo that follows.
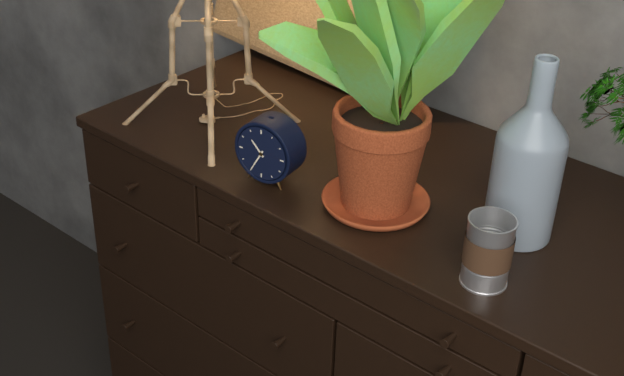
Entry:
h=10 m=35
